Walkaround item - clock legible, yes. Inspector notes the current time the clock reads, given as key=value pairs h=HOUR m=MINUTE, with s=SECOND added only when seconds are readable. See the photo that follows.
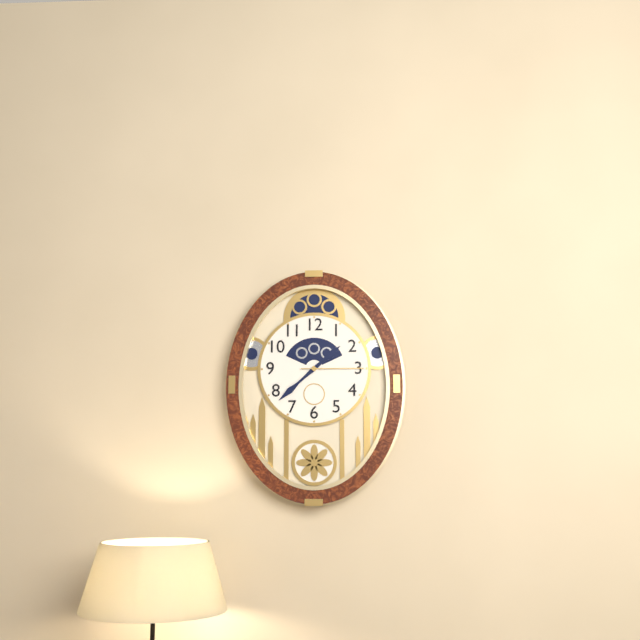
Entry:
h=1 m=38 s=15
